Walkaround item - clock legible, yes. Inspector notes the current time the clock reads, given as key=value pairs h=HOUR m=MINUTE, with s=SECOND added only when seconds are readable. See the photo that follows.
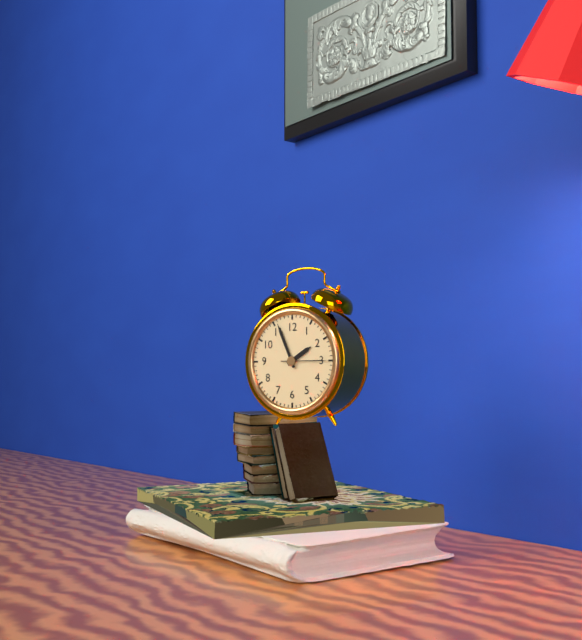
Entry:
h=1 m=56
